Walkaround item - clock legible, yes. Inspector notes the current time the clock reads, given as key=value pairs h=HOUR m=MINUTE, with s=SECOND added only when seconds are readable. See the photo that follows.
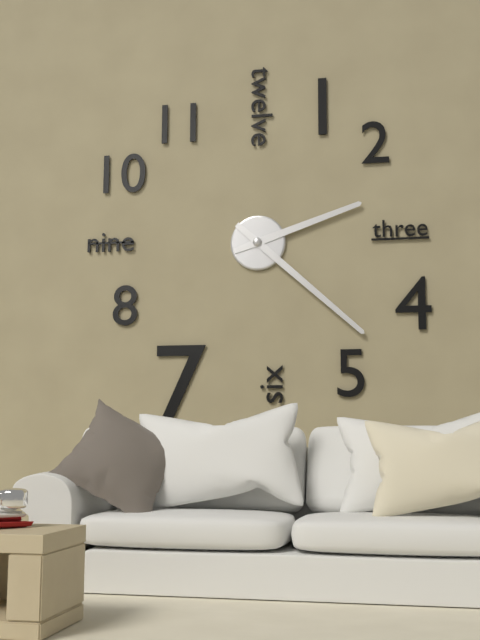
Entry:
h=2 m=22
